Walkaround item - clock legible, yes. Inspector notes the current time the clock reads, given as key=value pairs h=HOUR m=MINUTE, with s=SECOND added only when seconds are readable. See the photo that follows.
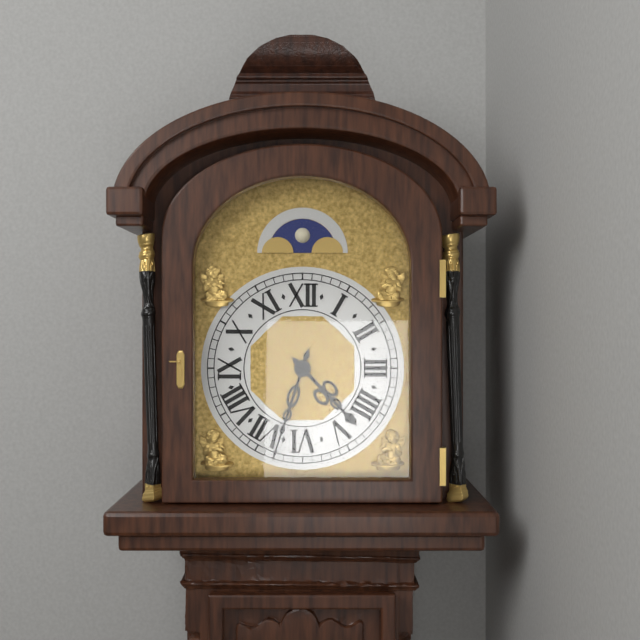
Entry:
h=4 m=33
